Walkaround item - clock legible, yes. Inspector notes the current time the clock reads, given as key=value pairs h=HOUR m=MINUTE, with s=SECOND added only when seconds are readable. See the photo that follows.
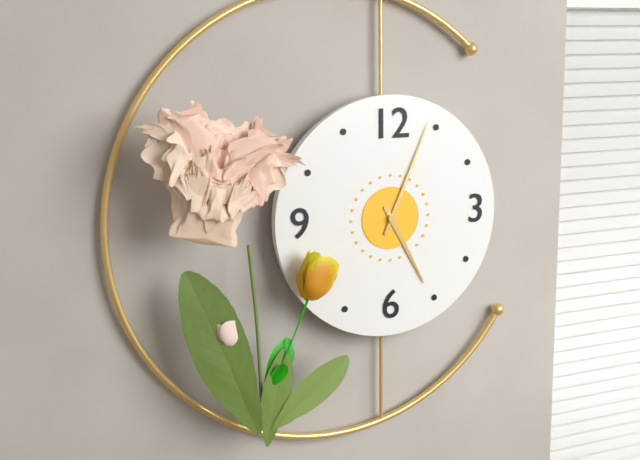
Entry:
h=5 m=4
